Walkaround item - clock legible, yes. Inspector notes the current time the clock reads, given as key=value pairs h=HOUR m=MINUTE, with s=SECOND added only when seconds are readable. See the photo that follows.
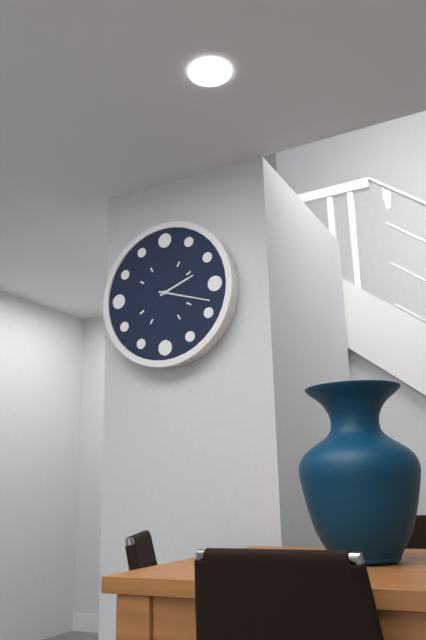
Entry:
h=2 m=18
